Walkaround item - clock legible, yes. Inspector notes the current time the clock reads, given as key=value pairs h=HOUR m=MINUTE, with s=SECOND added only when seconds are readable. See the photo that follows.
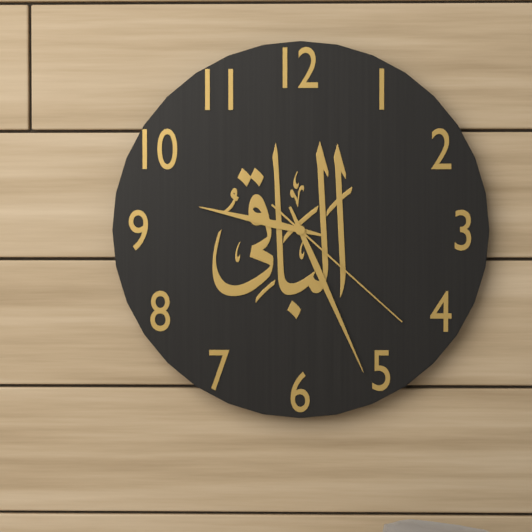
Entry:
h=9 m=26 s=22
